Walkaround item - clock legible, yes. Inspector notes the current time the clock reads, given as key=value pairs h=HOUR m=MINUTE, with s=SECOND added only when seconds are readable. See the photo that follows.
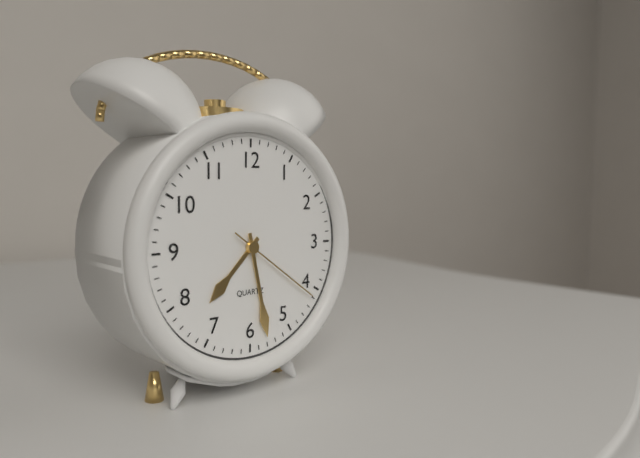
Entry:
h=7 m=28 s=21
